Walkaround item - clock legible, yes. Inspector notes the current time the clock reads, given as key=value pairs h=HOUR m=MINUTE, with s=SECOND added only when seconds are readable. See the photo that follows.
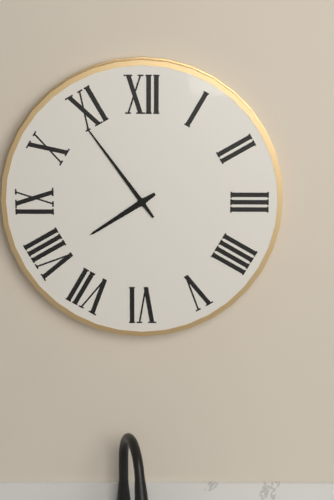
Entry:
h=7 m=54
